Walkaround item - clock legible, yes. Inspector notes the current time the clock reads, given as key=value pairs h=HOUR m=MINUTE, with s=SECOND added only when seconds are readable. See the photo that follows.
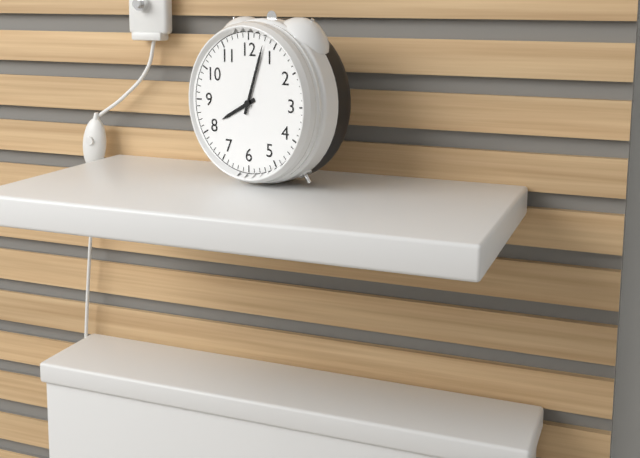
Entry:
h=8 m=3
